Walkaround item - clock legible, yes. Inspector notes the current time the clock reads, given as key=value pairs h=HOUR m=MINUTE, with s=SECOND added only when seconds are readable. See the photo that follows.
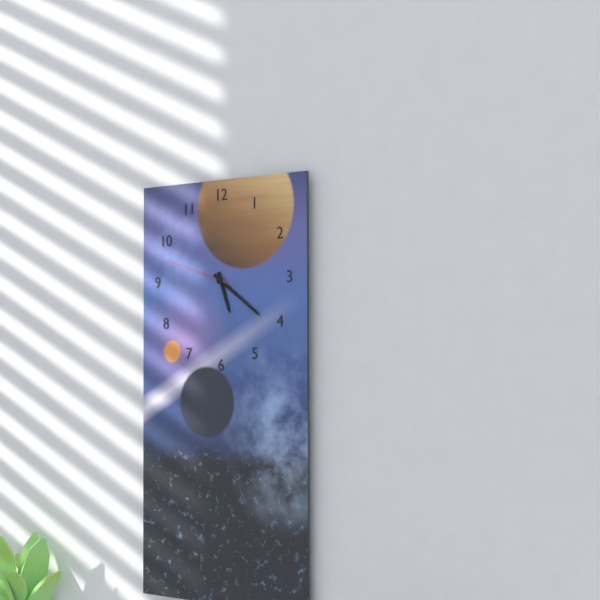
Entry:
h=5 m=21 s=48
